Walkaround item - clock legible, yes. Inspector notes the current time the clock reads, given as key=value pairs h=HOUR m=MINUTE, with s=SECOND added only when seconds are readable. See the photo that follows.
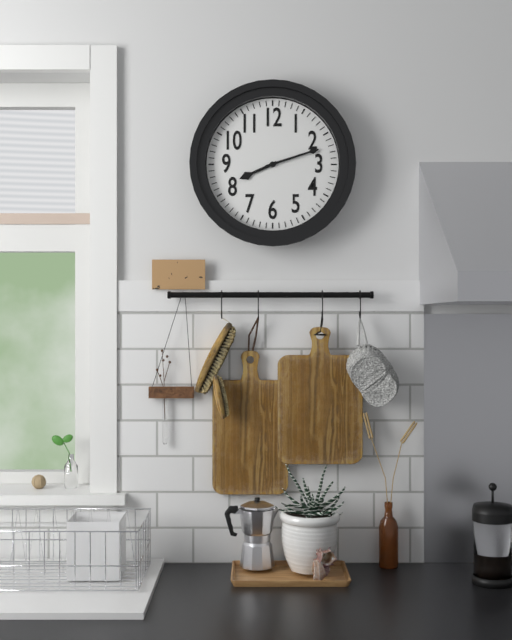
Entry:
h=8 m=12
